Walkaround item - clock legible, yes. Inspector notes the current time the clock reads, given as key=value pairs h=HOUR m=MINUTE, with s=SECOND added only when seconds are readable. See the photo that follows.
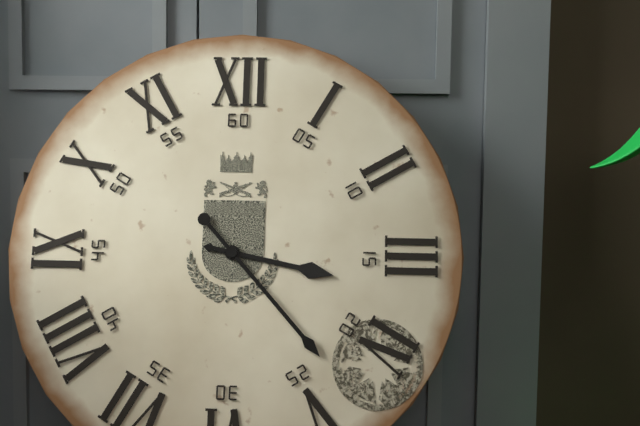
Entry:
h=3 m=23
